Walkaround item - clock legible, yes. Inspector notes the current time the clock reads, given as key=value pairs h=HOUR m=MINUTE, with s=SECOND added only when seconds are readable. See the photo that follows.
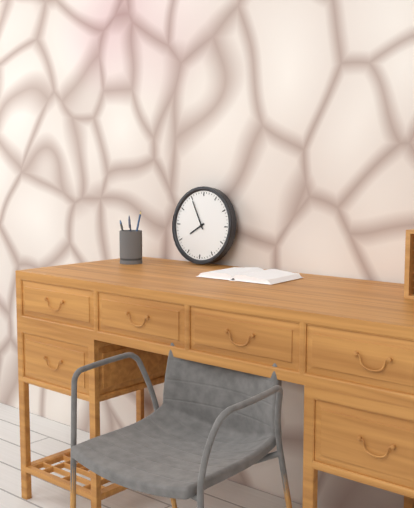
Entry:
h=7 m=55
